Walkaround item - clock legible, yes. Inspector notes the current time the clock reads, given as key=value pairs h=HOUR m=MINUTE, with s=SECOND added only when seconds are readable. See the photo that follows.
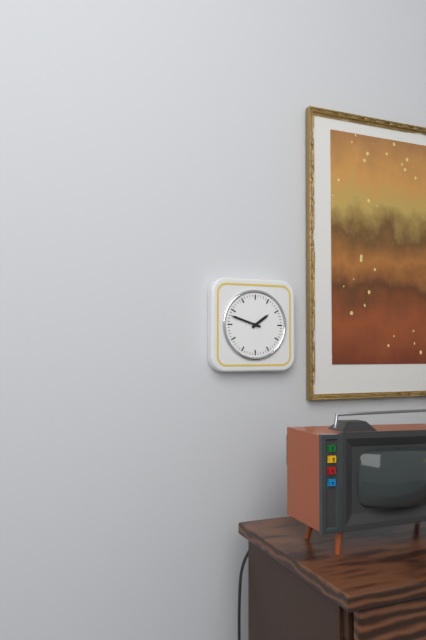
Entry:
h=1 m=48
